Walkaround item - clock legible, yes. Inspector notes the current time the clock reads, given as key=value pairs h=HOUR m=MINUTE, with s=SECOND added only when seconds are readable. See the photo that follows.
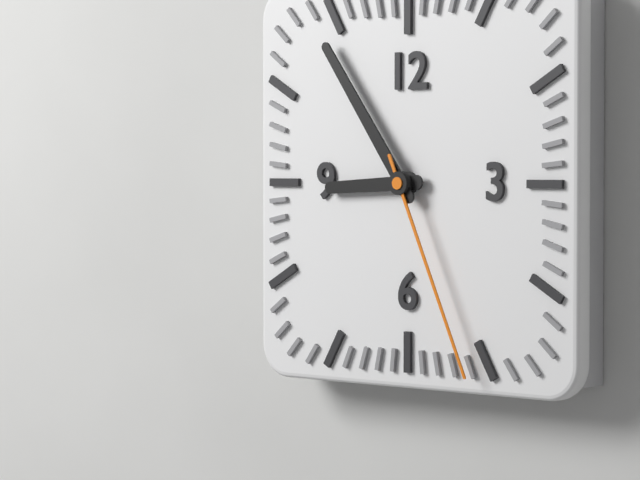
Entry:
h=8 m=54 s=26
